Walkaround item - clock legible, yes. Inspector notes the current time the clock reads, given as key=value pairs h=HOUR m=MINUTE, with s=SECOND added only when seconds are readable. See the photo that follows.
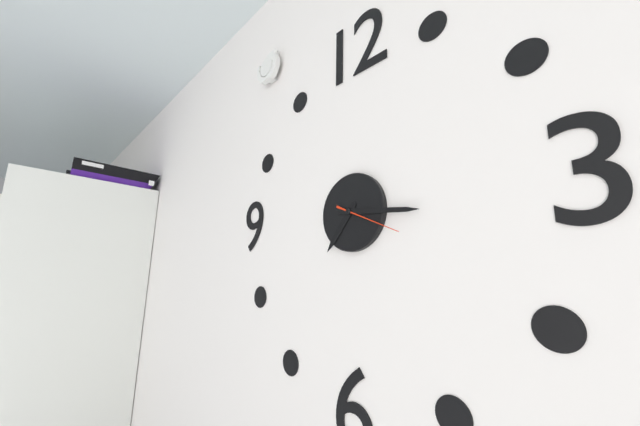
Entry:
h=7 m=16 s=19
